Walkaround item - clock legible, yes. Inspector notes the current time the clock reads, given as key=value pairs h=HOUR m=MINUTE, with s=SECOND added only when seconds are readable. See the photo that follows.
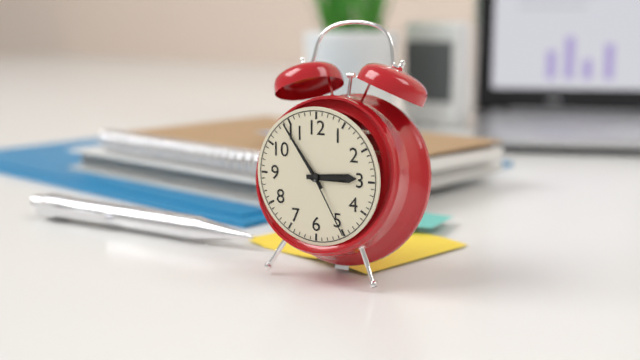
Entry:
h=2 m=54 s=25
